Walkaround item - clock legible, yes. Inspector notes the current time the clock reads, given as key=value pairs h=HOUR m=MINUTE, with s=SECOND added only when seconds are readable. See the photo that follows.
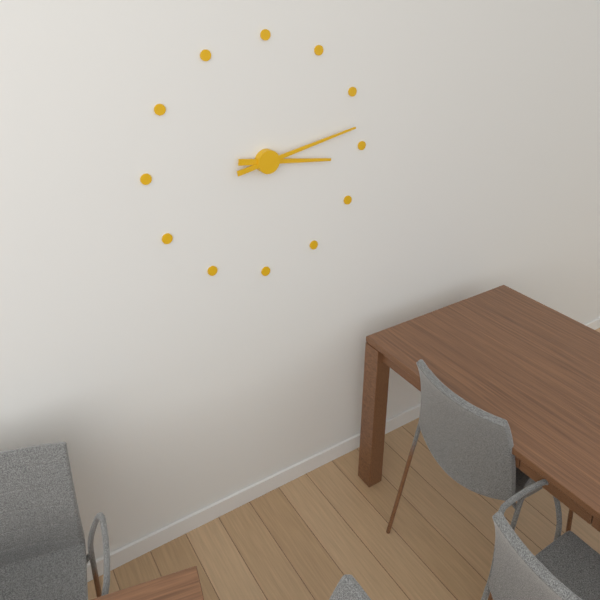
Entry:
h=3 m=13
